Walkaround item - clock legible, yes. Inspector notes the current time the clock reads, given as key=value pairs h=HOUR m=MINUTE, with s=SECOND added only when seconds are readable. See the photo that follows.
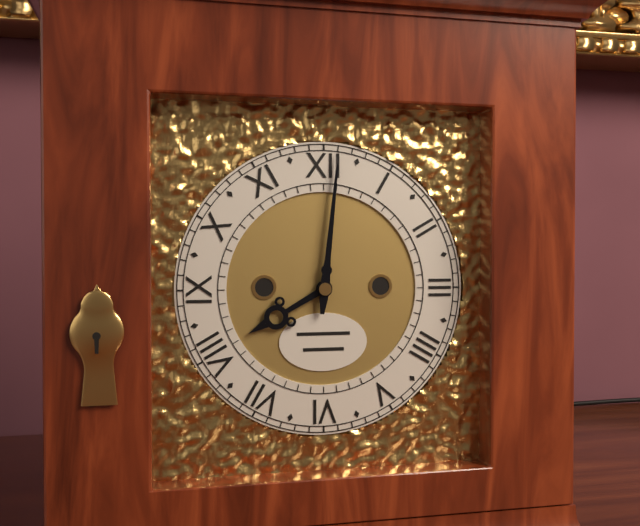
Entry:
h=8 m=1
